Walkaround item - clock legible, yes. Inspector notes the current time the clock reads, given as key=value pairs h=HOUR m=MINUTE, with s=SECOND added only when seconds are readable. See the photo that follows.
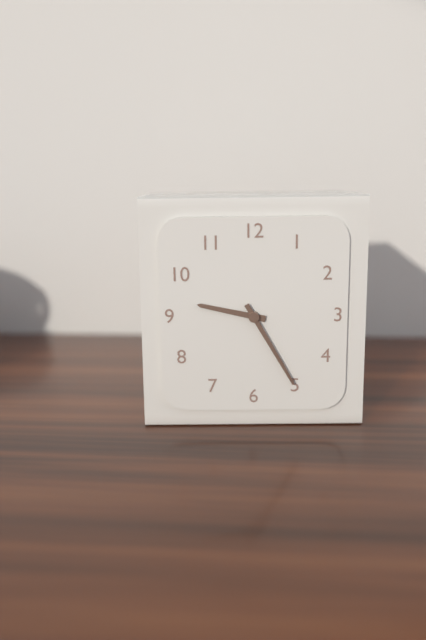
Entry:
h=9 m=25
